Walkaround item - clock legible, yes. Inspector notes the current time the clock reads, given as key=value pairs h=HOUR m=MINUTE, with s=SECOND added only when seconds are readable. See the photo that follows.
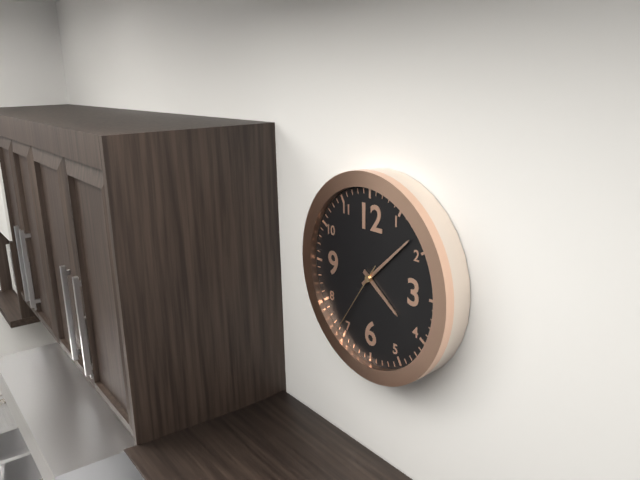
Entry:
h=4 m=8 s=36
